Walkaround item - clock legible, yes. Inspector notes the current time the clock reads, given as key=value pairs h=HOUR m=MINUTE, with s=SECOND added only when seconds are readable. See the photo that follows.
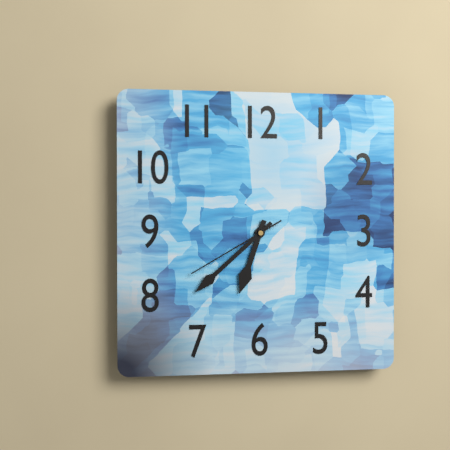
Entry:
h=6 m=38 s=40
